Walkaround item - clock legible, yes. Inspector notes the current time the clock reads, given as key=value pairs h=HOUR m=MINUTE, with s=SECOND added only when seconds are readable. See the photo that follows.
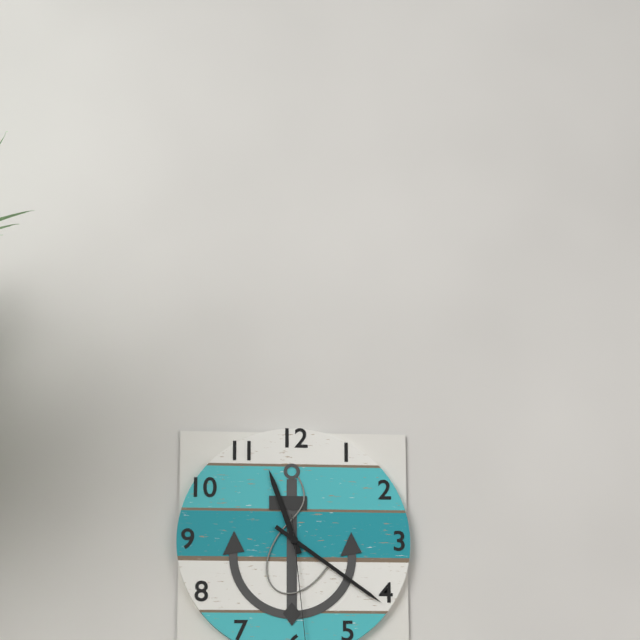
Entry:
h=11 m=21
